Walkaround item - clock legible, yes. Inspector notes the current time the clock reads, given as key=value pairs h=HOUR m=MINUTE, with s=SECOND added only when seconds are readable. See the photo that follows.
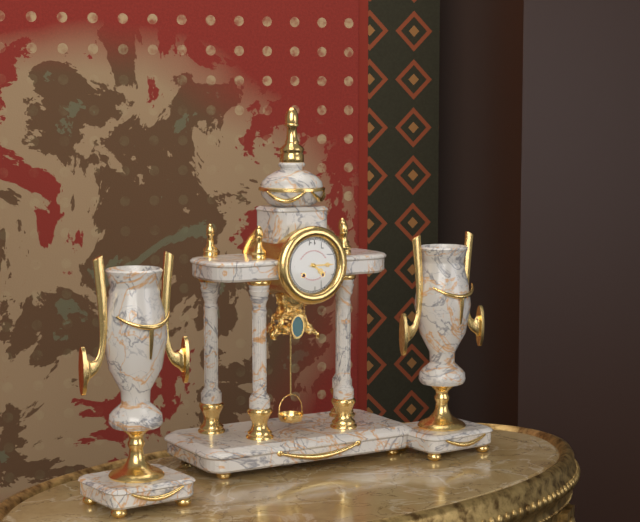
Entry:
h=4 m=15
